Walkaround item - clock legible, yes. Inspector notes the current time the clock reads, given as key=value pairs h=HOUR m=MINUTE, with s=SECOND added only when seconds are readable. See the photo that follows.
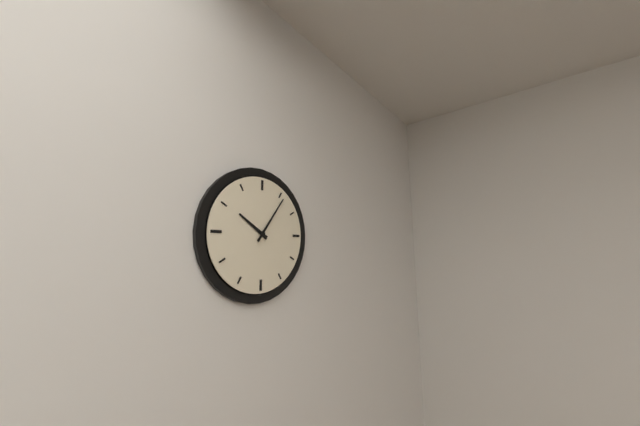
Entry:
h=10 m=6
